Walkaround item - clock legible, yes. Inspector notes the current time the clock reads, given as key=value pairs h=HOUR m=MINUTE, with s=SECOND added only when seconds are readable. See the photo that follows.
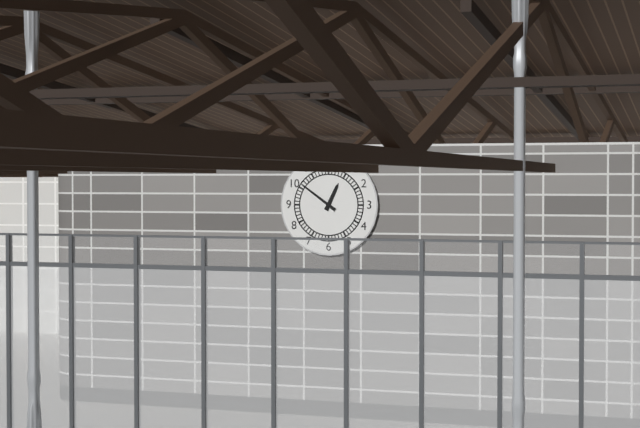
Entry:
h=12 m=51
